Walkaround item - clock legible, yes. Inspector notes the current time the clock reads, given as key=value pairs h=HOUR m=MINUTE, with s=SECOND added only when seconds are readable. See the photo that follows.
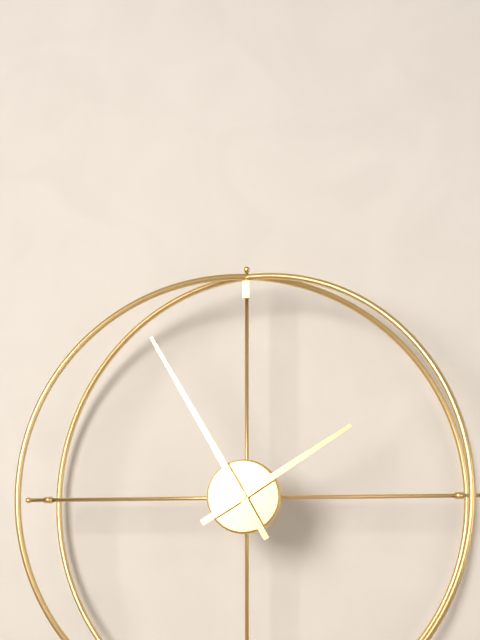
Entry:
h=1 m=55
